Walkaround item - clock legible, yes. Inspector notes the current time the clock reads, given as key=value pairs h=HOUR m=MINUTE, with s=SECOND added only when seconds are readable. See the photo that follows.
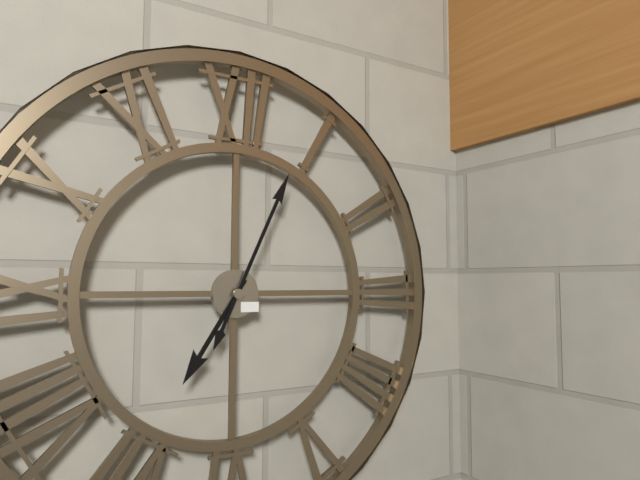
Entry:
h=7 m=4
